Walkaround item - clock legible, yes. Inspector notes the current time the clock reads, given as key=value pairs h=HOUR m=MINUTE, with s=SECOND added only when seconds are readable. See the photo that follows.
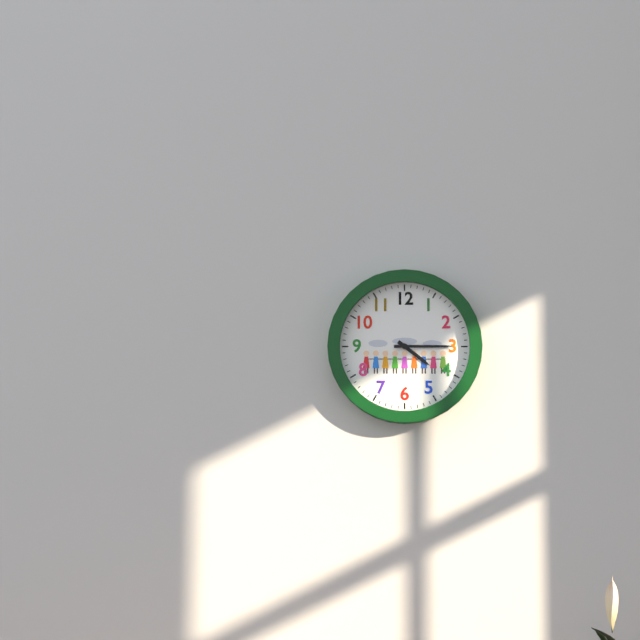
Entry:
h=4 m=15
